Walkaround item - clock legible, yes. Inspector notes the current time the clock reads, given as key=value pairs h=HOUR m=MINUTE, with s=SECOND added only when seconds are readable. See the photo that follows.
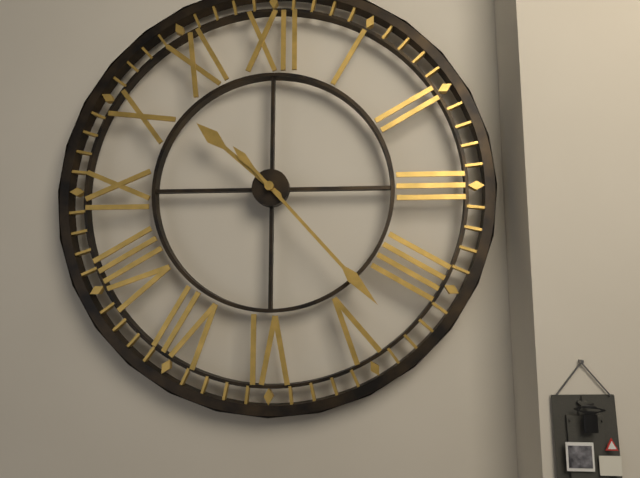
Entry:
h=10 m=23
